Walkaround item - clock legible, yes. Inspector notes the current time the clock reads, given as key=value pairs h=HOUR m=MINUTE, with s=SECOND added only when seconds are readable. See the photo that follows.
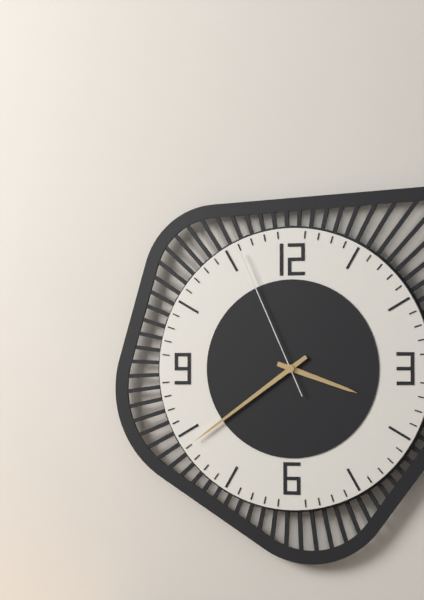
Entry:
h=3 m=39 s=56
